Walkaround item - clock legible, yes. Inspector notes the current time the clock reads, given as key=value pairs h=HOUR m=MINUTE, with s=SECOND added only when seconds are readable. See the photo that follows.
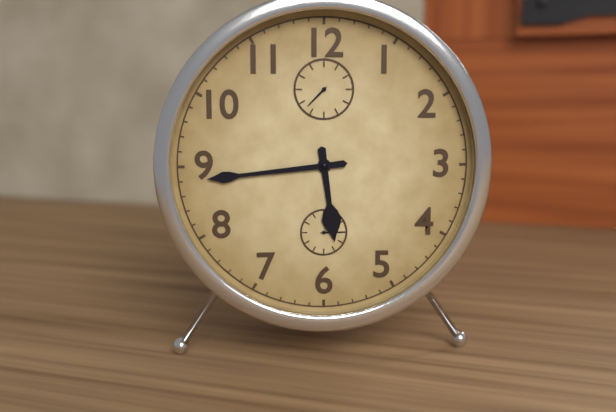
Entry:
h=5 m=44
